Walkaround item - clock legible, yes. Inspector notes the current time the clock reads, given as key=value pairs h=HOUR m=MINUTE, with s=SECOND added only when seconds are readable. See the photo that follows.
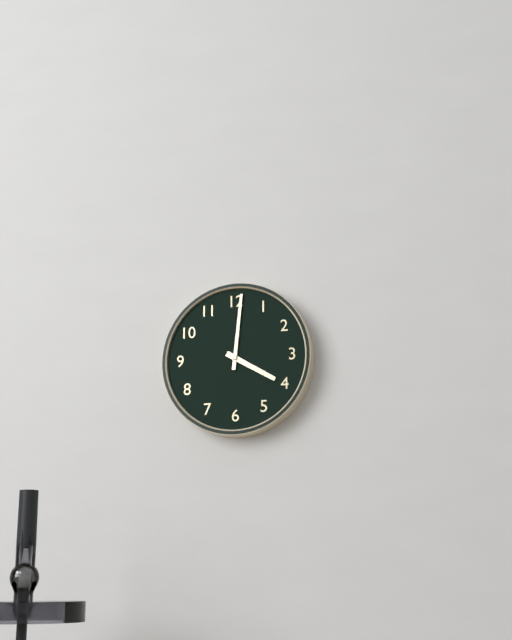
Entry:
h=4 m=1
